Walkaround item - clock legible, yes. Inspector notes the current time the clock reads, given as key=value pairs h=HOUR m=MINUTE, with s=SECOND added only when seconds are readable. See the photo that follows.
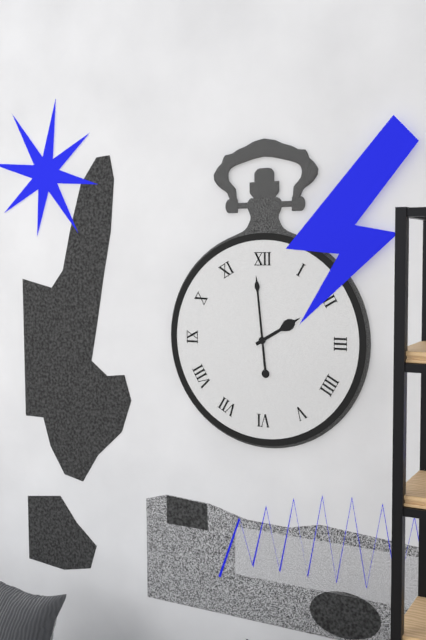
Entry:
h=1 m=59
